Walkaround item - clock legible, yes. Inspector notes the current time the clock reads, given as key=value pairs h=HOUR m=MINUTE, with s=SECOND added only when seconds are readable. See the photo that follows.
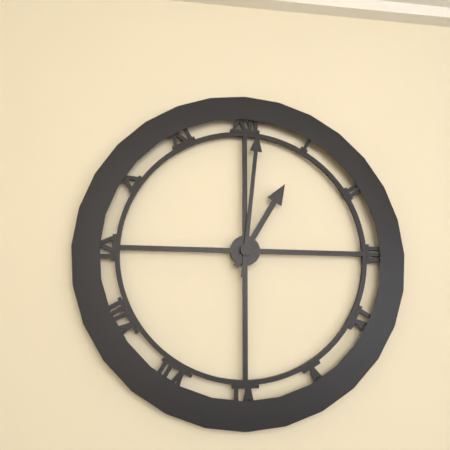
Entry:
h=1 m=1
